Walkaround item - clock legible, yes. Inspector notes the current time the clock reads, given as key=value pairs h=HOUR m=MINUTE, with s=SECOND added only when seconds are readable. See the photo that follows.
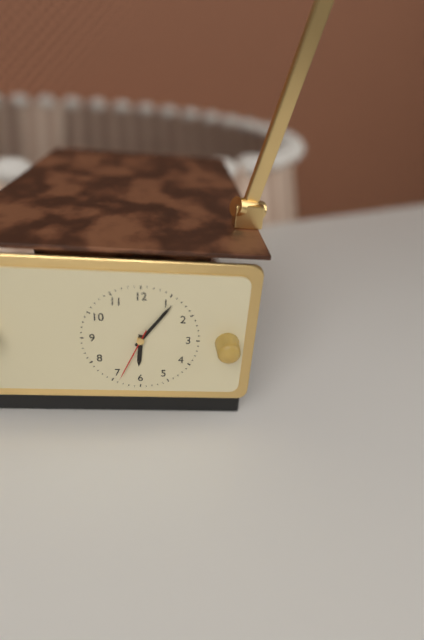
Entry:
h=6 m=6 s=34
